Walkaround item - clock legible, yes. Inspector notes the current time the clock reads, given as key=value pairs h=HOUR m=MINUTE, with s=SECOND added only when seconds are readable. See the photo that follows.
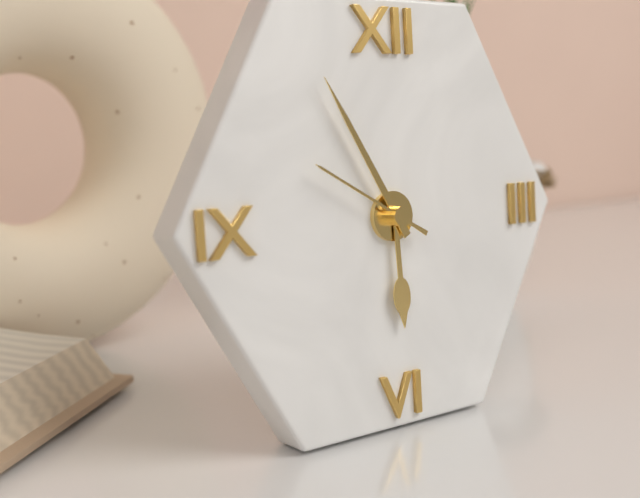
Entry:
h=5 m=55 s=50
